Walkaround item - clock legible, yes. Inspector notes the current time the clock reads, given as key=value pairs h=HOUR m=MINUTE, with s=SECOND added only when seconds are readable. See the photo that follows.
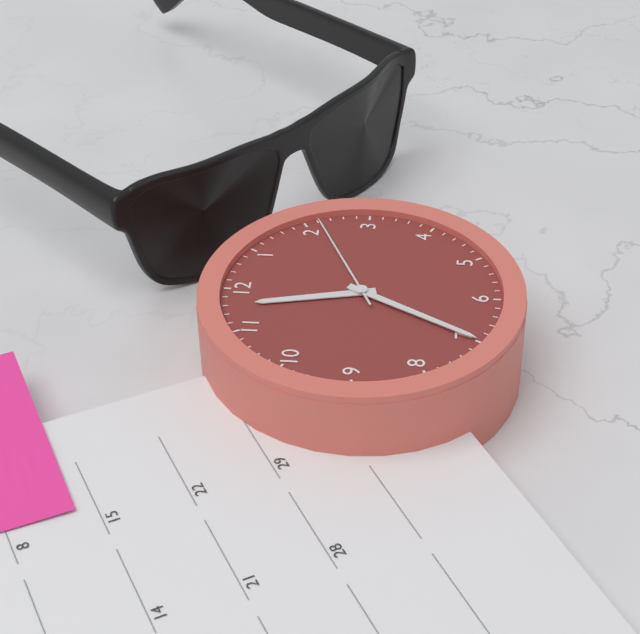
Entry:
h=11 m=35 s=11
